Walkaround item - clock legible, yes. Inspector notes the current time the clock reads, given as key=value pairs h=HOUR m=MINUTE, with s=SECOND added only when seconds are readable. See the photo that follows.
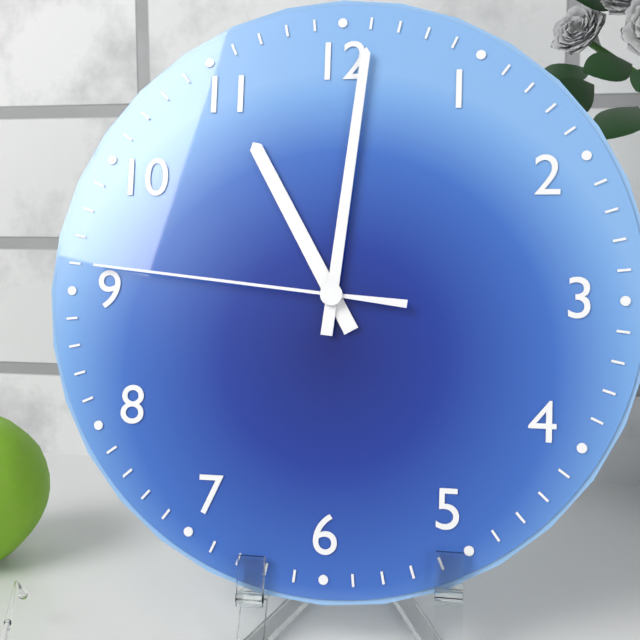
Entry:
h=11 m=1 s=46
